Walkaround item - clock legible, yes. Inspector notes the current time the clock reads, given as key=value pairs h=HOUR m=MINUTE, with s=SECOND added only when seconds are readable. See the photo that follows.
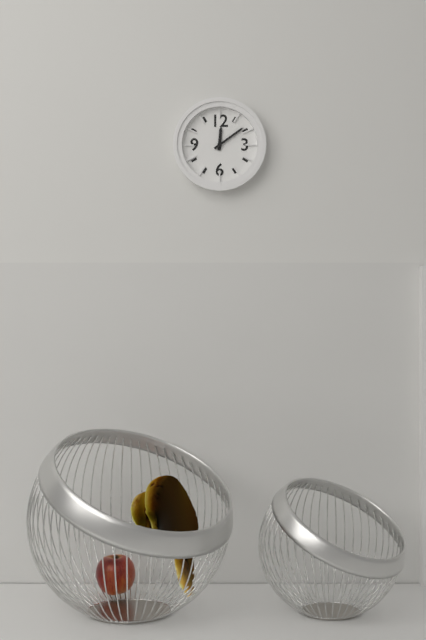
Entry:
h=12 m=9
